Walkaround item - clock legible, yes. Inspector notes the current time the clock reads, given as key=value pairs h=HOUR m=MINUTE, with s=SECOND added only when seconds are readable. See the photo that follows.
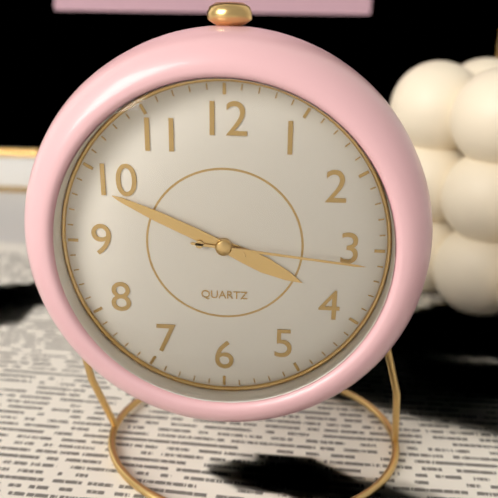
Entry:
h=3 m=49 s=16
